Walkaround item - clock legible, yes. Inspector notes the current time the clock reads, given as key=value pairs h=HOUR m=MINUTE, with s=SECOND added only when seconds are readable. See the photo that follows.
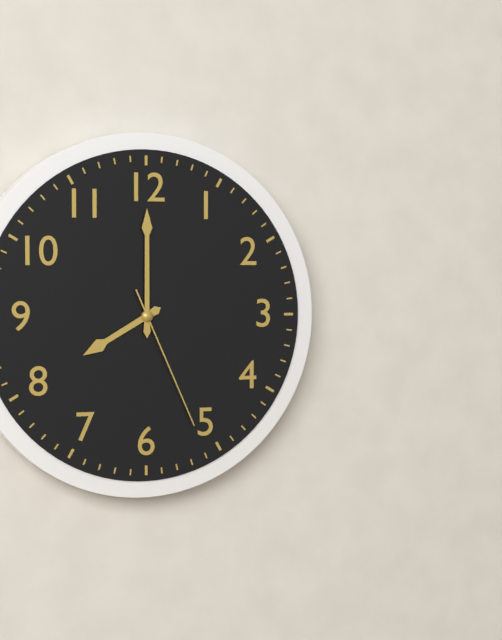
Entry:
h=8 m=0 s=26
